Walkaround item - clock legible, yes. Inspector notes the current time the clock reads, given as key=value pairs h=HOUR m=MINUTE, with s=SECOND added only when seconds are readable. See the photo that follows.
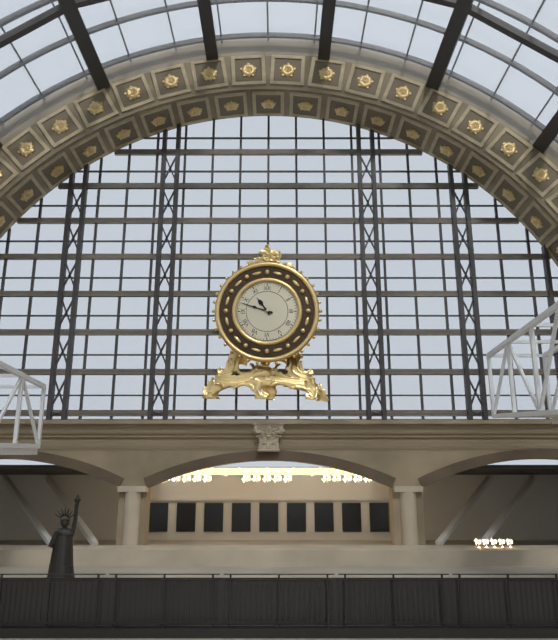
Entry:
h=10 m=48
